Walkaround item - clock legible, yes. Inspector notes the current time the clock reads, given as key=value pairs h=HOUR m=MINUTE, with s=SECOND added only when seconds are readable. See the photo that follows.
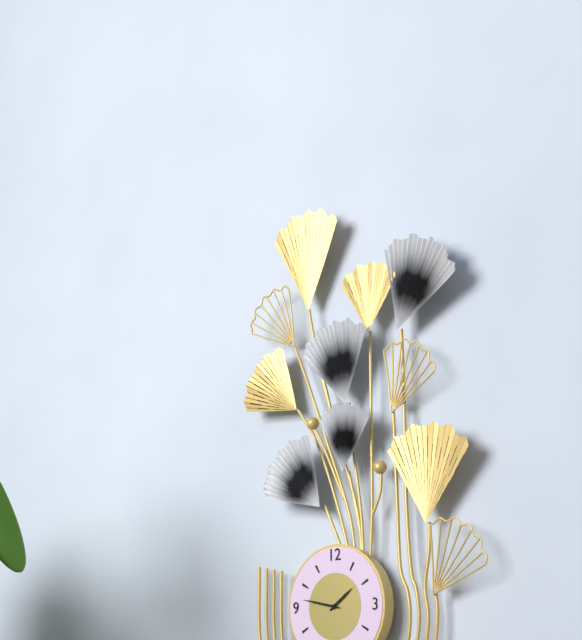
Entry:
h=1 m=47
